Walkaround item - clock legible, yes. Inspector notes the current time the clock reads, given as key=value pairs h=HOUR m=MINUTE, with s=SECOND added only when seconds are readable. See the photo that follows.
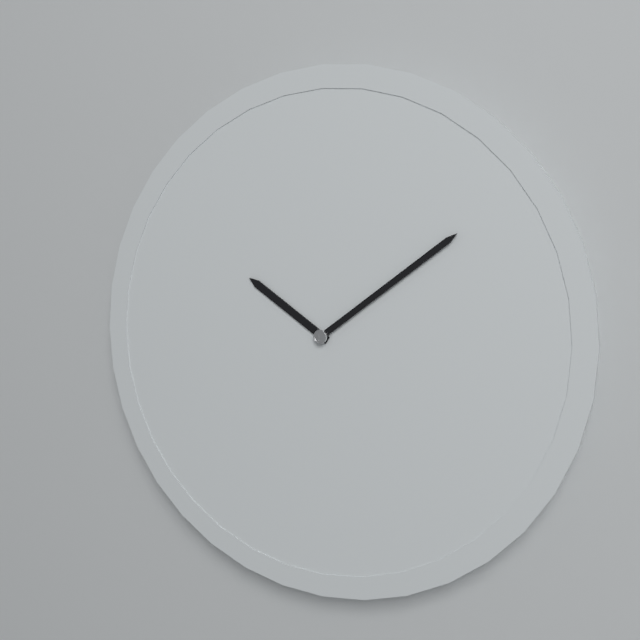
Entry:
h=10 m=9
